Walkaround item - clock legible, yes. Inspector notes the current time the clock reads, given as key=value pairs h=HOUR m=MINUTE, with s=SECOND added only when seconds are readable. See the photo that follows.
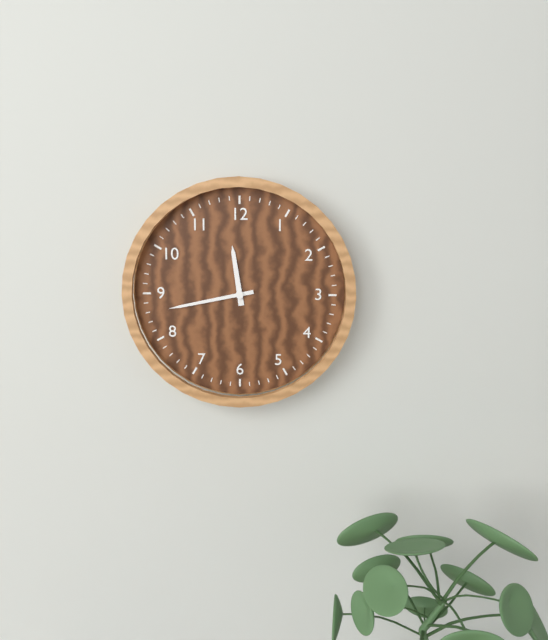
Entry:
h=11 m=43
